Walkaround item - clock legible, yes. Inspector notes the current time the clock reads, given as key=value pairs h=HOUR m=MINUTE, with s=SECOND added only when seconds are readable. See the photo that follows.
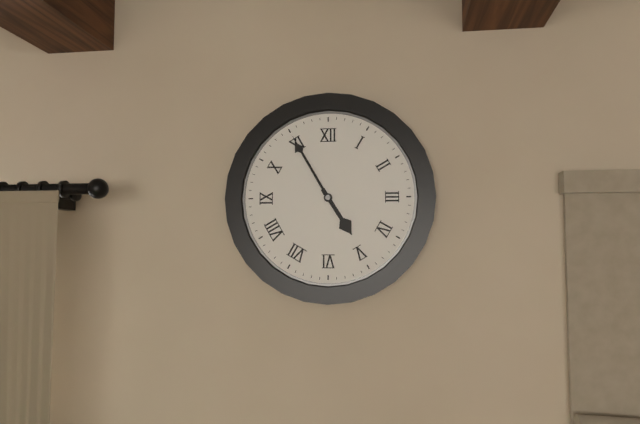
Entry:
h=4 m=55
